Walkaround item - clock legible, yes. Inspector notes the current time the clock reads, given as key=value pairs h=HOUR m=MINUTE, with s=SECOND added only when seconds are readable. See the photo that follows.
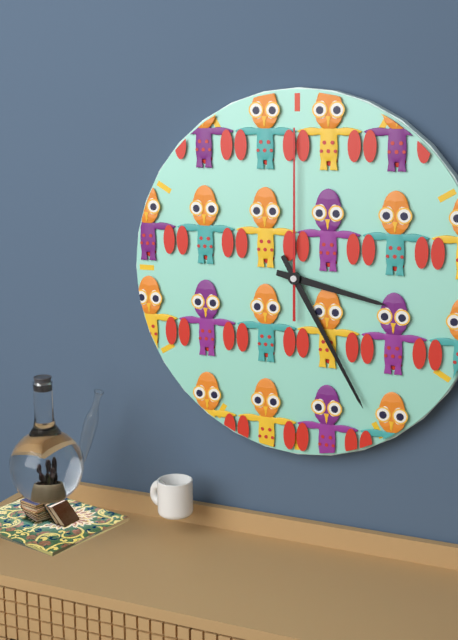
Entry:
h=3 m=25 s=0
